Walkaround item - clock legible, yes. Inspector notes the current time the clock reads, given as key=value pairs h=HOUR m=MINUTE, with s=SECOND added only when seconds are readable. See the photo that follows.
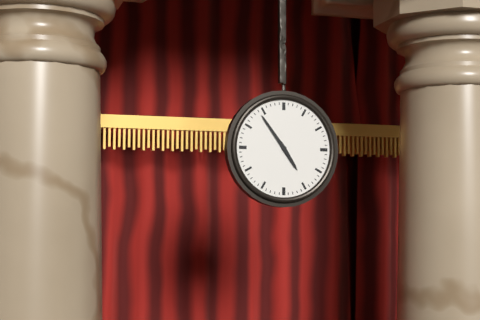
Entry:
h=4 m=54
